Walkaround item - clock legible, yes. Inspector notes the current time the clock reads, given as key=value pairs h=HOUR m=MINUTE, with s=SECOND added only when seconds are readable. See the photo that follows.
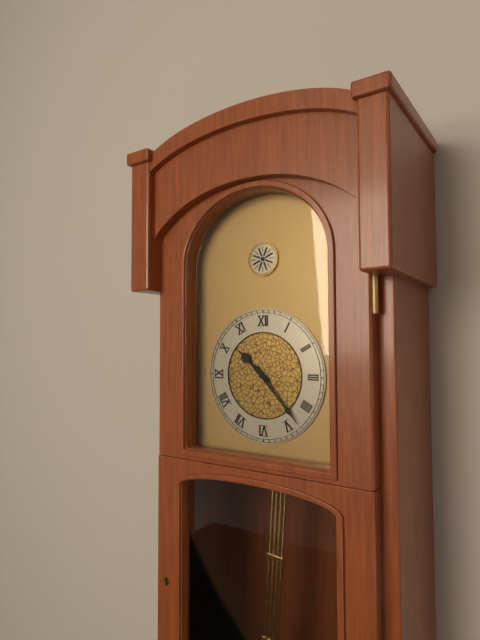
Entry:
h=10 m=23
